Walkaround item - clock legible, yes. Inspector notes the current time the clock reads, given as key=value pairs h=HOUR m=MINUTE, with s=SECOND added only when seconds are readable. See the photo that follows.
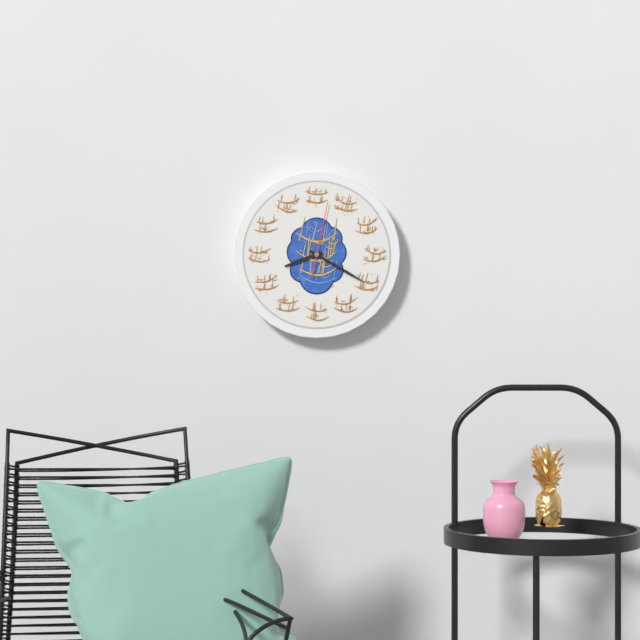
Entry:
h=8 m=20 s=2
